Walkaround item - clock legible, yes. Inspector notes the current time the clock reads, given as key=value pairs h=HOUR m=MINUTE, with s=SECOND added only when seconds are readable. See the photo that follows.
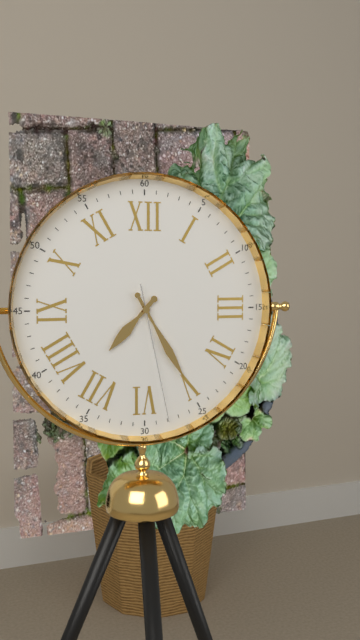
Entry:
h=7 m=25 s=28
